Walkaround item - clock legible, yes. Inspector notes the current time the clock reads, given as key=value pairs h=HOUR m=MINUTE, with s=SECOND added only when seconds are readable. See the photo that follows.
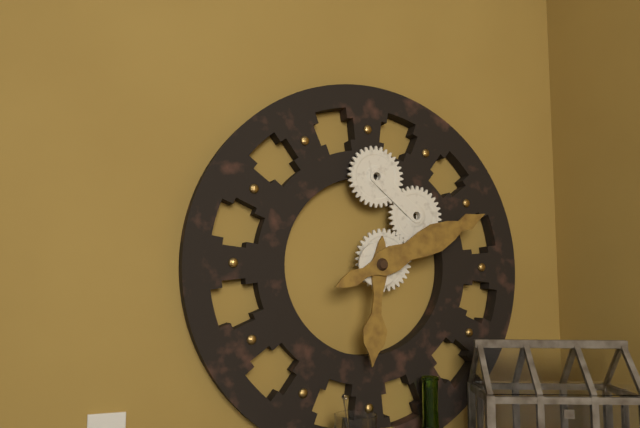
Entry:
h=6 m=11
